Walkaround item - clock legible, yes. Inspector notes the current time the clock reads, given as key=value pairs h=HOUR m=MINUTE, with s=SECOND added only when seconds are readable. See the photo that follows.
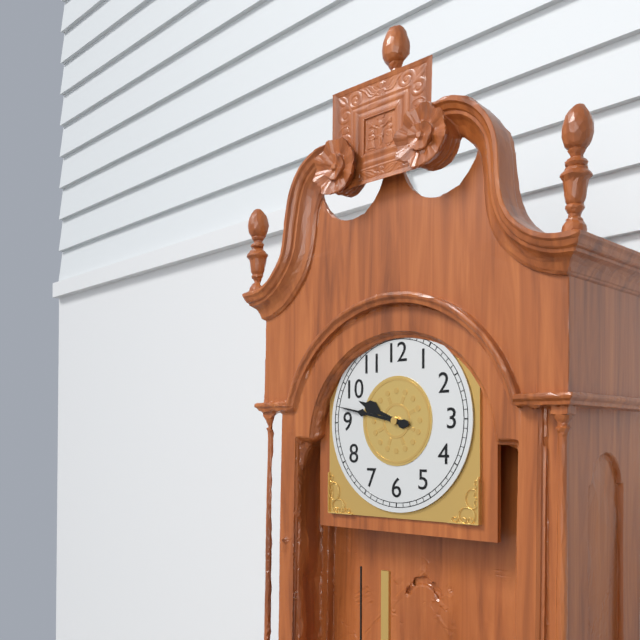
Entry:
h=9 m=47
